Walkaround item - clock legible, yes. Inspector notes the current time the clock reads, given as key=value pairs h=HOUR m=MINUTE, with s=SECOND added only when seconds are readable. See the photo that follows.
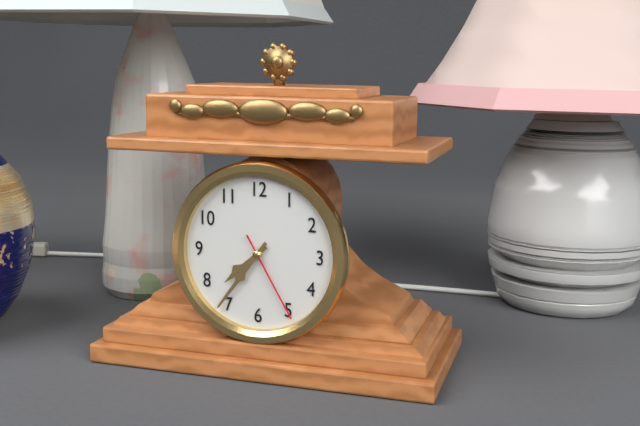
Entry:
h=7 m=36 s=25
